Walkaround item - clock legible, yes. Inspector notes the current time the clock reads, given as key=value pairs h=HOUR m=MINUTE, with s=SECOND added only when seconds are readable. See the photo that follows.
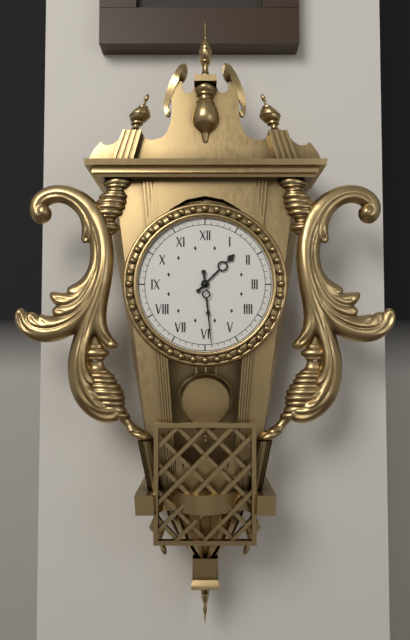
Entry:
h=1 m=29
